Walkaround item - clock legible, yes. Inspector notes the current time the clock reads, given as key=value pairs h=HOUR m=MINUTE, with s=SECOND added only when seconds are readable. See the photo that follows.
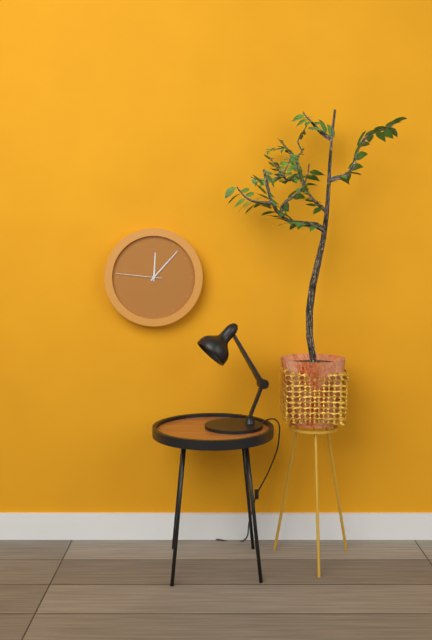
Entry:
h=12 m=7
